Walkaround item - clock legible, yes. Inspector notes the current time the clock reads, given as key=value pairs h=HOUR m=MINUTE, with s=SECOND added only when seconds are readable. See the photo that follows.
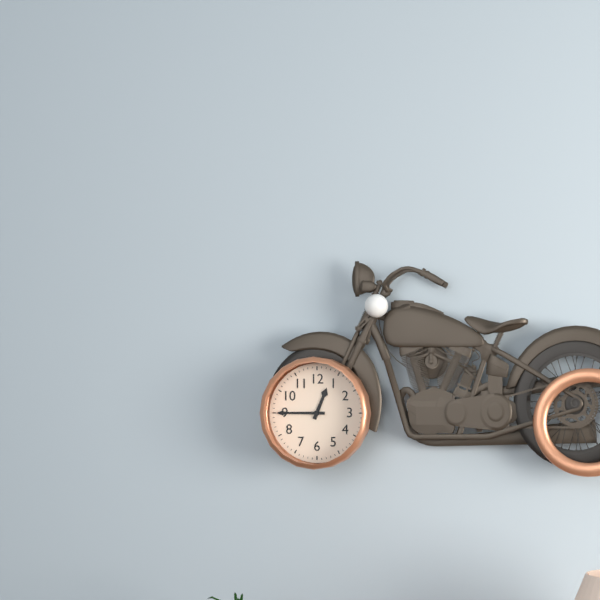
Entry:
h=12 m=45
